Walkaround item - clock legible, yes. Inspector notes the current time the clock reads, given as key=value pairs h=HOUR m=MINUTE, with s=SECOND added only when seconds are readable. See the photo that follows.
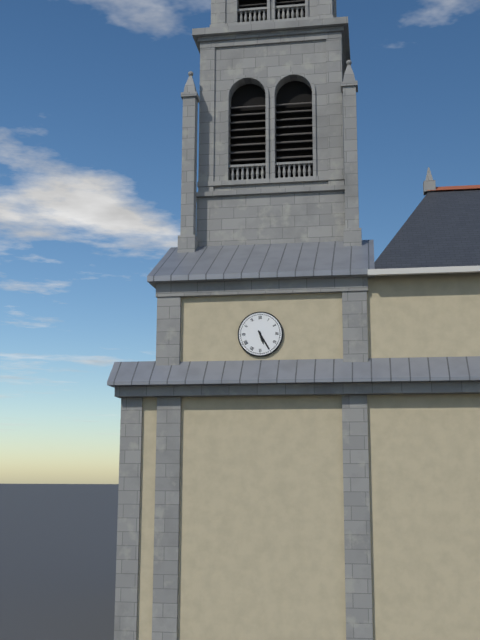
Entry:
h=5 m=25
